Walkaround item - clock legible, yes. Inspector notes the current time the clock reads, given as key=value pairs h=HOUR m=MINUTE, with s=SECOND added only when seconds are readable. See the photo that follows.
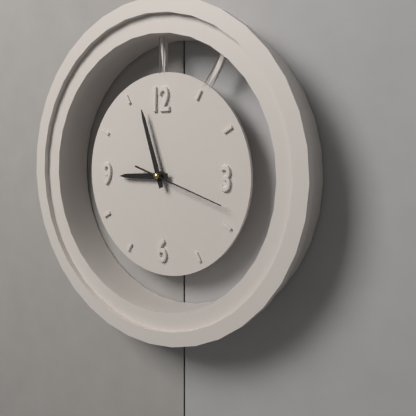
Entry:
h=8 m=57 s=18
